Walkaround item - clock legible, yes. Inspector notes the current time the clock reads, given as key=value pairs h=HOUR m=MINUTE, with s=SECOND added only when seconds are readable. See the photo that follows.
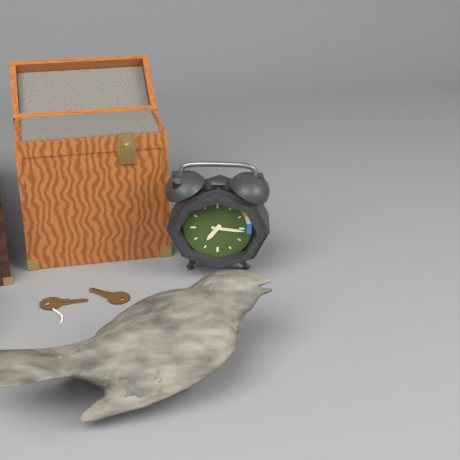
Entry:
h=7 m=16
